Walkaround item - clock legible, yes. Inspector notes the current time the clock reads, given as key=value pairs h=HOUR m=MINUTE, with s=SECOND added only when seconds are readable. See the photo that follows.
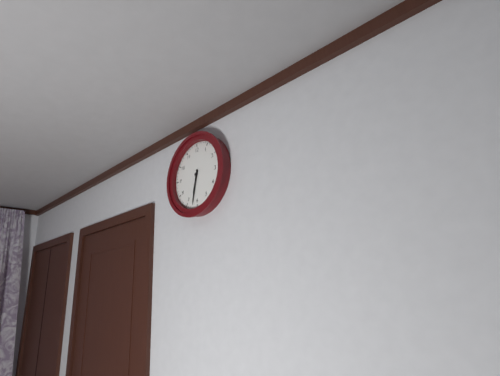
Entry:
h=6 m=32
